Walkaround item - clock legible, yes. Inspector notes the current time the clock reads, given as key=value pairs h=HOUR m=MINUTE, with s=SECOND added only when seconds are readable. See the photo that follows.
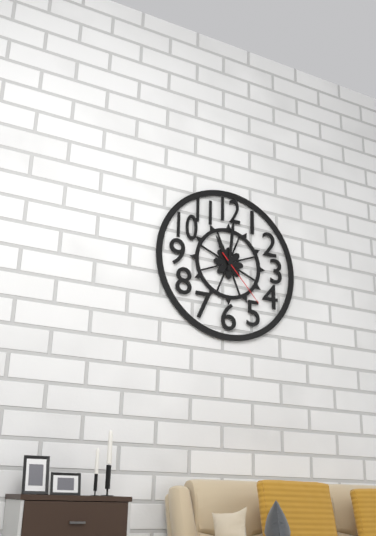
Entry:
h=11 m=1 s=23
